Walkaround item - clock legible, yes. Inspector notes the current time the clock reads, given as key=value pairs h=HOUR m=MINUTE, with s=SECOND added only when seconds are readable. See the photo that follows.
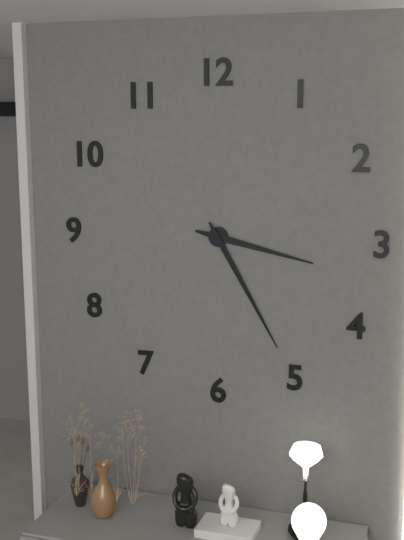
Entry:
h=3 m=25
